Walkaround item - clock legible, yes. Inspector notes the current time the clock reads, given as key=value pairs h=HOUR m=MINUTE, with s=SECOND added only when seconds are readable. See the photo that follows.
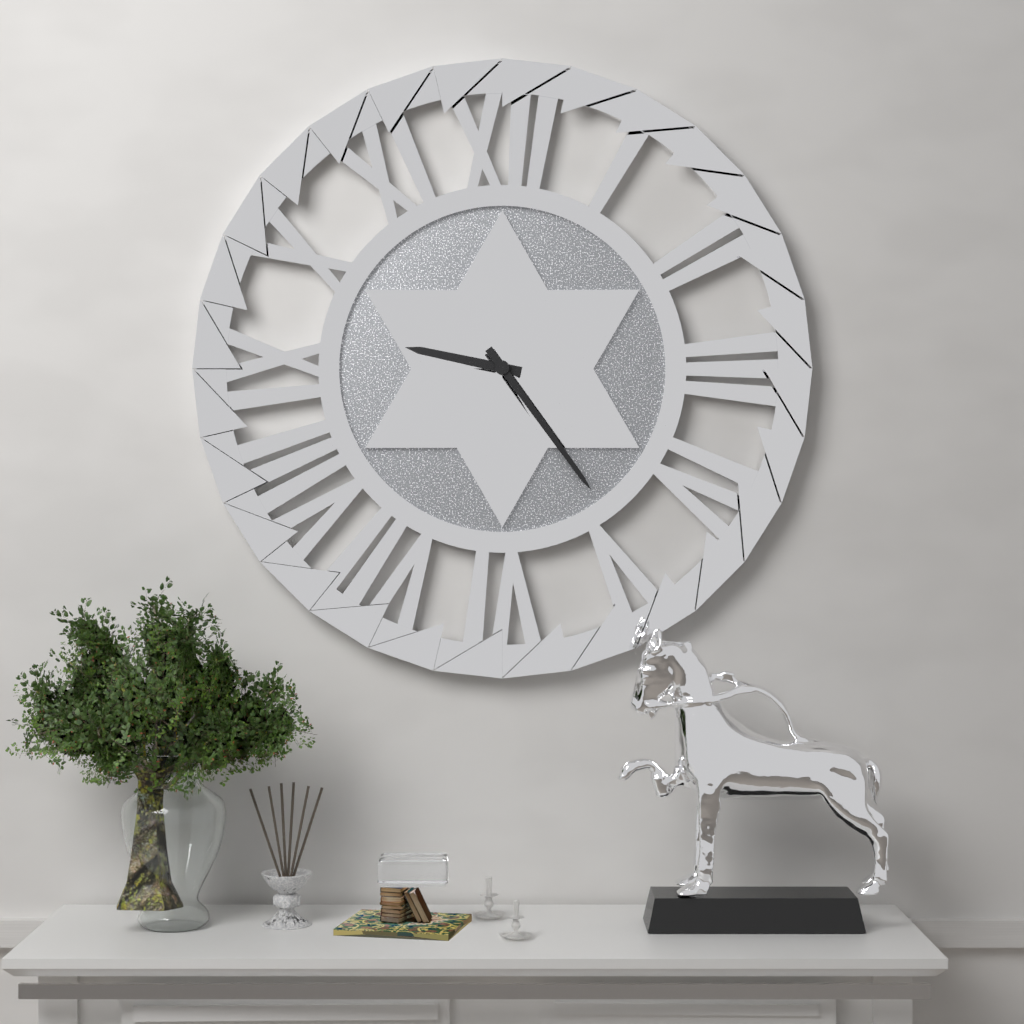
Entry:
h=9 m=24
